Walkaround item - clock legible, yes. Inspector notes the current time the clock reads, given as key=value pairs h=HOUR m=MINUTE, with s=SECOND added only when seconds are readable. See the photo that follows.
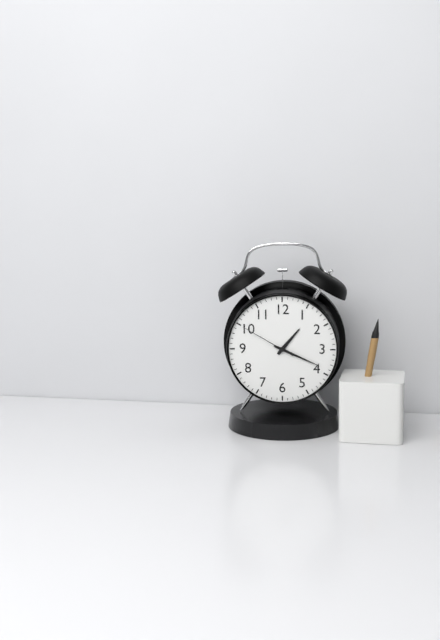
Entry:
h=1 m=19 s=50
